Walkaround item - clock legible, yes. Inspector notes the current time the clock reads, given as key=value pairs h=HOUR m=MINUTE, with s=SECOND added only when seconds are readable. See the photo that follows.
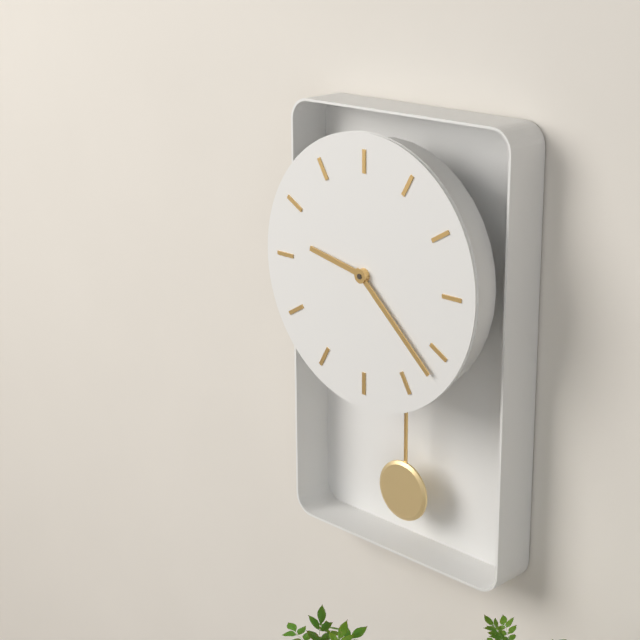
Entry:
h=9 m=22
